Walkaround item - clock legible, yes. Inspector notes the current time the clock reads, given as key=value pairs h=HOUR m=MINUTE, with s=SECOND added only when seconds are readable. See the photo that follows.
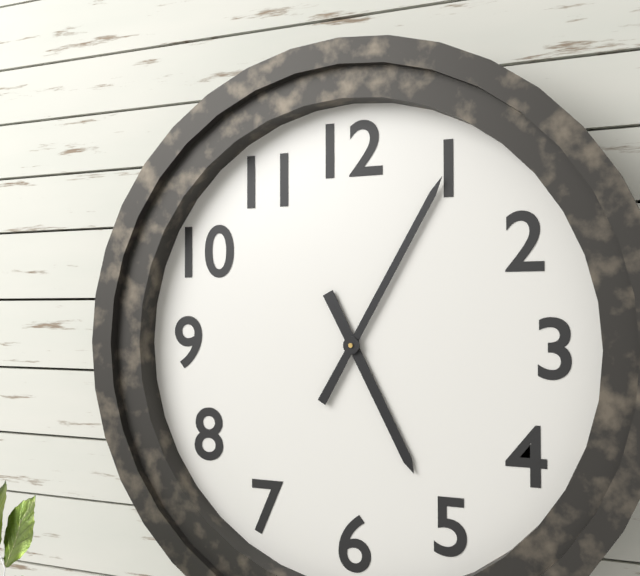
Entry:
h=5 m=5
